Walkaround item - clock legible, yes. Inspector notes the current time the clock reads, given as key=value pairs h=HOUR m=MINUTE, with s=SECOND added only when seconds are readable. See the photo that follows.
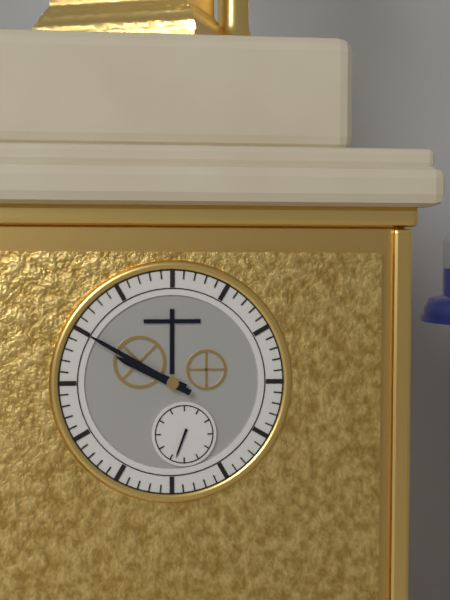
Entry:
h=9 m=50
